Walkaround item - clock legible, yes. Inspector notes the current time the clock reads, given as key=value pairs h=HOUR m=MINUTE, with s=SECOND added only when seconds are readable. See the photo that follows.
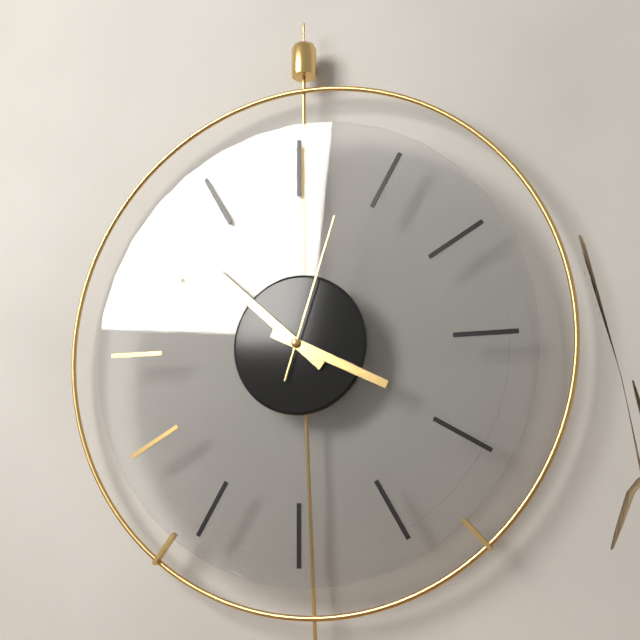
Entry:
h=3 m=52 s=3
